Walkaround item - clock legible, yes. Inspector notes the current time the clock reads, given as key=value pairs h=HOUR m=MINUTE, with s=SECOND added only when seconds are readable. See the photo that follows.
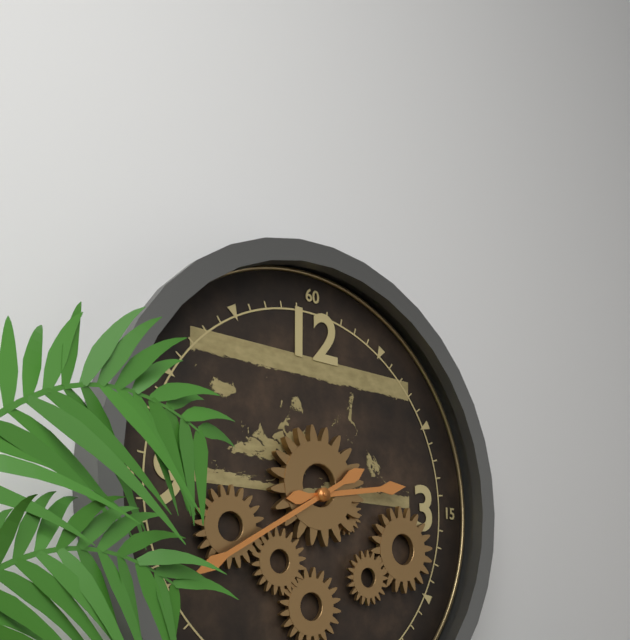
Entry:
h=2 m=40
